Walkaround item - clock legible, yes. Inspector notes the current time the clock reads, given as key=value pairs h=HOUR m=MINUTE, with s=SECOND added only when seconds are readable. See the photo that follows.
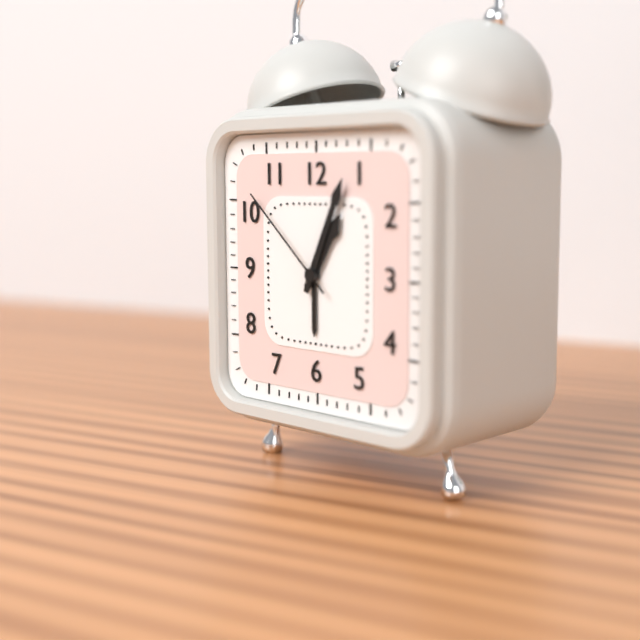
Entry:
h=1 m=4 s=52
